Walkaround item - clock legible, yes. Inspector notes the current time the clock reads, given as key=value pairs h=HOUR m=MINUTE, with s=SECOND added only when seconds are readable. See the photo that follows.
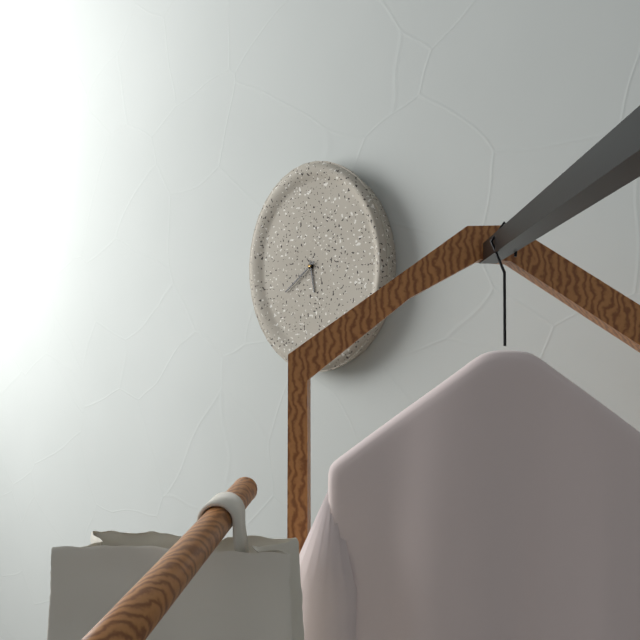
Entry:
h=5 m=39
